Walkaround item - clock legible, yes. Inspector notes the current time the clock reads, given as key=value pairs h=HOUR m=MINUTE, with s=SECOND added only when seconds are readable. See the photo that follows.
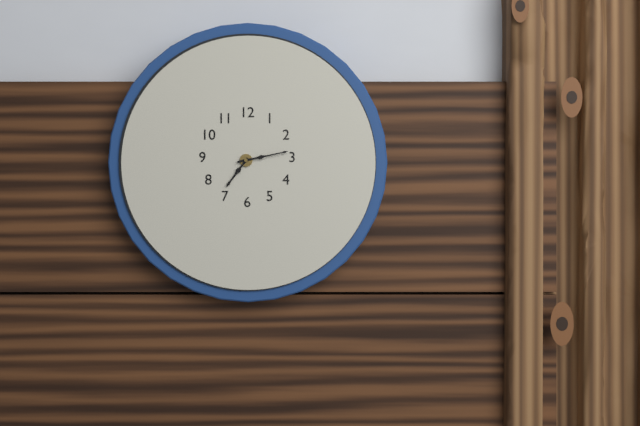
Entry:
h=7 m=13
